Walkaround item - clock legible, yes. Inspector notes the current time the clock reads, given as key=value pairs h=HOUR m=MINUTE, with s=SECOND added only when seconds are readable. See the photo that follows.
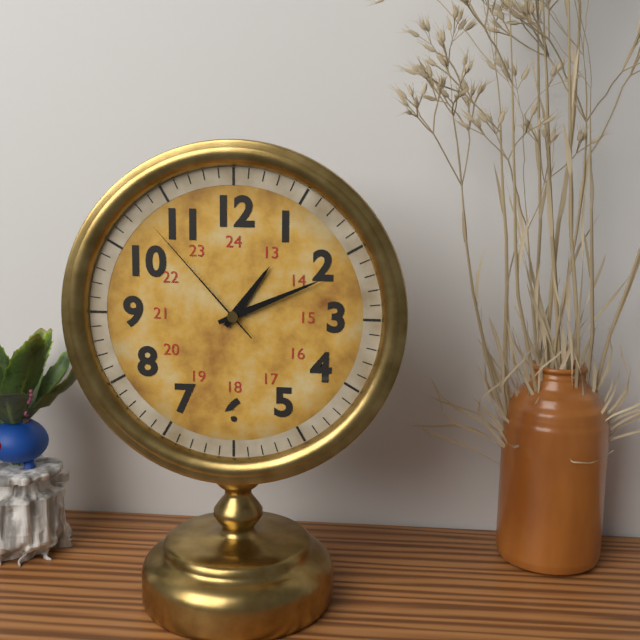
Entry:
h=1 m=11 s=53
